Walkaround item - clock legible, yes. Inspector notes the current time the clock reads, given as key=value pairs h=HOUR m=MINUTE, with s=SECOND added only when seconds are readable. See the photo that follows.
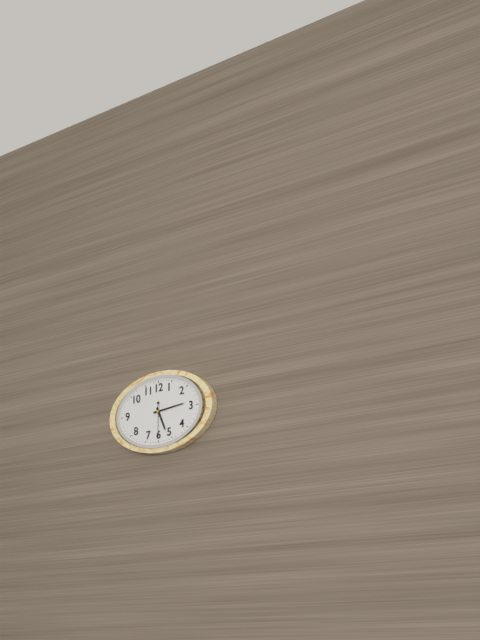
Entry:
h=5 m=14
